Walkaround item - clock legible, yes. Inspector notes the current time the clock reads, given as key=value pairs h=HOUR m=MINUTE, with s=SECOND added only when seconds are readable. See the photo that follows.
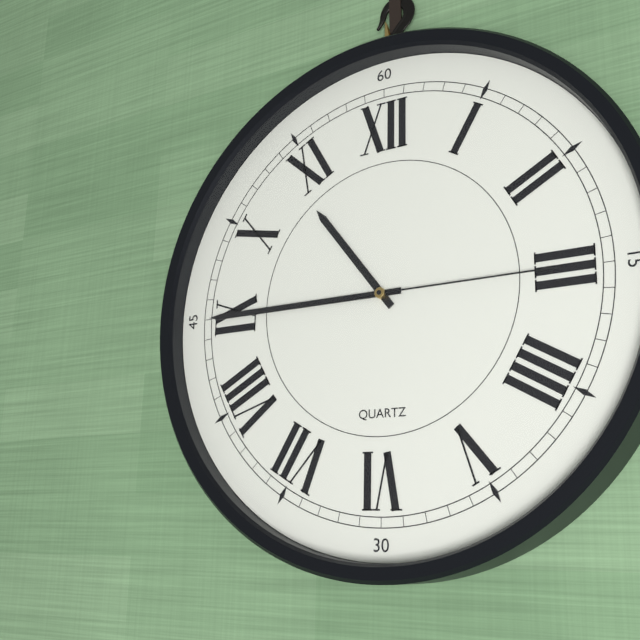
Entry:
h=10 m=45 s=15
